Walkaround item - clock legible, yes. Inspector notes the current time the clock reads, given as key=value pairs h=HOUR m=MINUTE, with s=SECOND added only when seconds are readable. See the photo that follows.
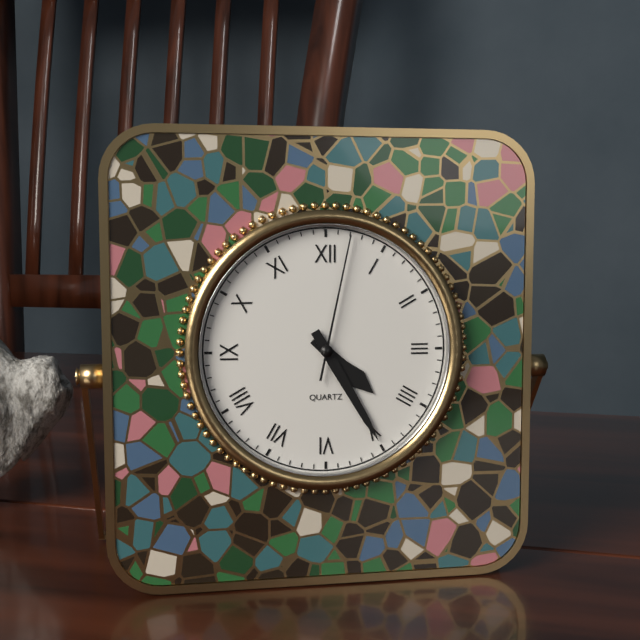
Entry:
h=4 m=25 s=2
